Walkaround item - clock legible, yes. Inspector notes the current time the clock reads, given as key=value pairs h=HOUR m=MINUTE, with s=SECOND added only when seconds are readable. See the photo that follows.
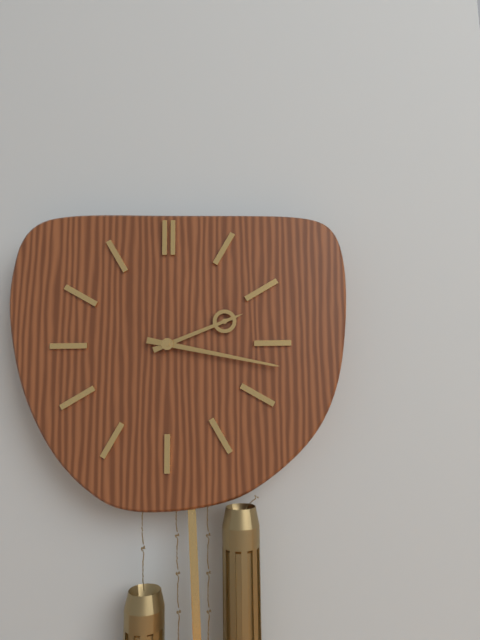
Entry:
h=2 m=17
